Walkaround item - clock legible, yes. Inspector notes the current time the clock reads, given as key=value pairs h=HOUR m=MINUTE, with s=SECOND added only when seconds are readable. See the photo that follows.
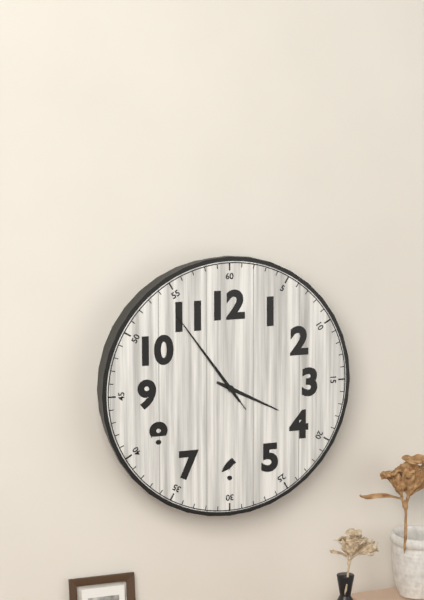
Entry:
h=3 m=54 s=54
